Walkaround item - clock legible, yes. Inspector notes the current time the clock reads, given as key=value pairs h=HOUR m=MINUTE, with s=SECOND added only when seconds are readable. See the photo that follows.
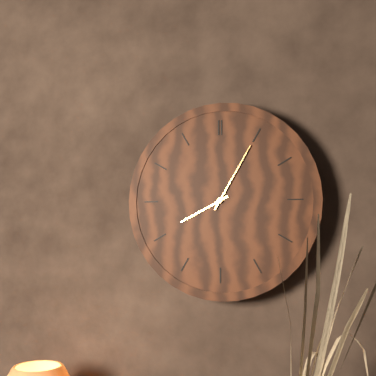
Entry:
h=8 m=5
